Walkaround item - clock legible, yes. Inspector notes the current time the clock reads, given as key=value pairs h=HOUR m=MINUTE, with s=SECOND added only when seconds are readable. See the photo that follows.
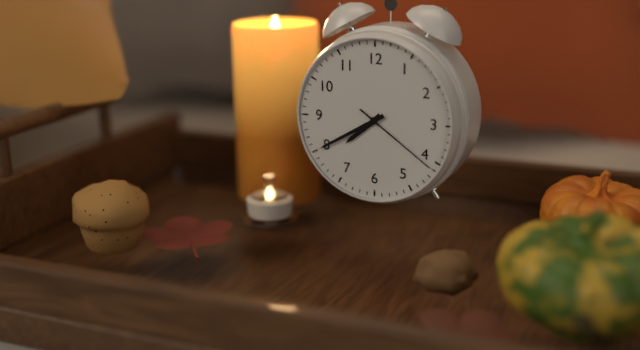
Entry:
h=7 m=40 s=21
